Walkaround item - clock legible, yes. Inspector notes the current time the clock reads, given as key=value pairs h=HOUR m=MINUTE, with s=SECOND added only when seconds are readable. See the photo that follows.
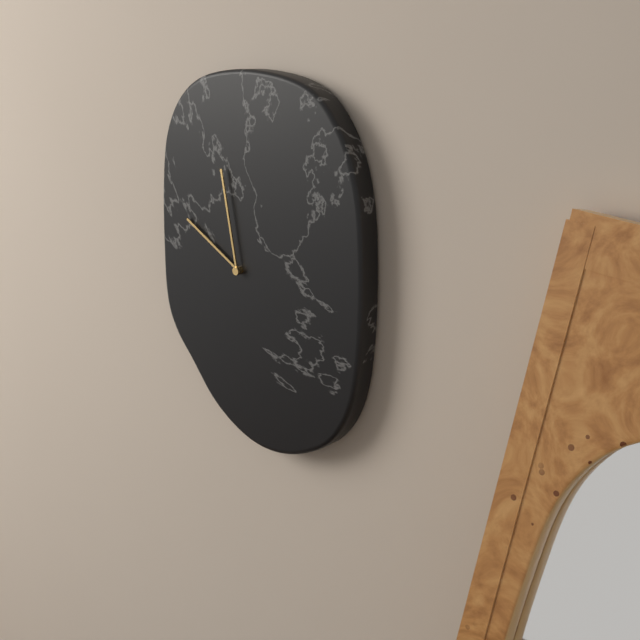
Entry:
h=9 m=58
